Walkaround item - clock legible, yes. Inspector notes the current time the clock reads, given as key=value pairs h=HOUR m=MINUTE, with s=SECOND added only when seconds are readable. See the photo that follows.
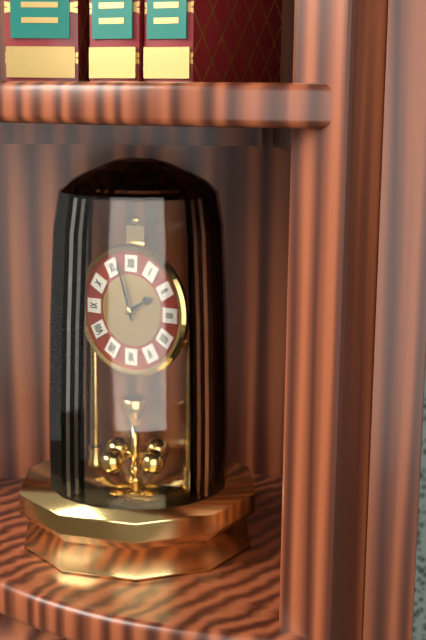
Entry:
h=1 m=57
